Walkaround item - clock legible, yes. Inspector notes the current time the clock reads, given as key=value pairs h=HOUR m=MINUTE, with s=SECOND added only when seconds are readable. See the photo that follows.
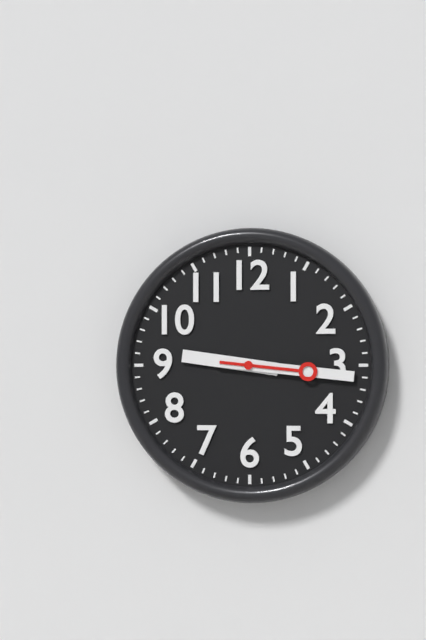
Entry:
h=9 m=16 s=16
